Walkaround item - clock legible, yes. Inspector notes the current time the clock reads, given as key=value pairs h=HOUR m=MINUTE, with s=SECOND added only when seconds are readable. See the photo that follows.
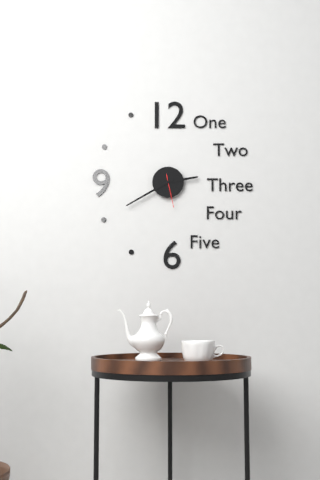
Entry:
h=2 m=40
